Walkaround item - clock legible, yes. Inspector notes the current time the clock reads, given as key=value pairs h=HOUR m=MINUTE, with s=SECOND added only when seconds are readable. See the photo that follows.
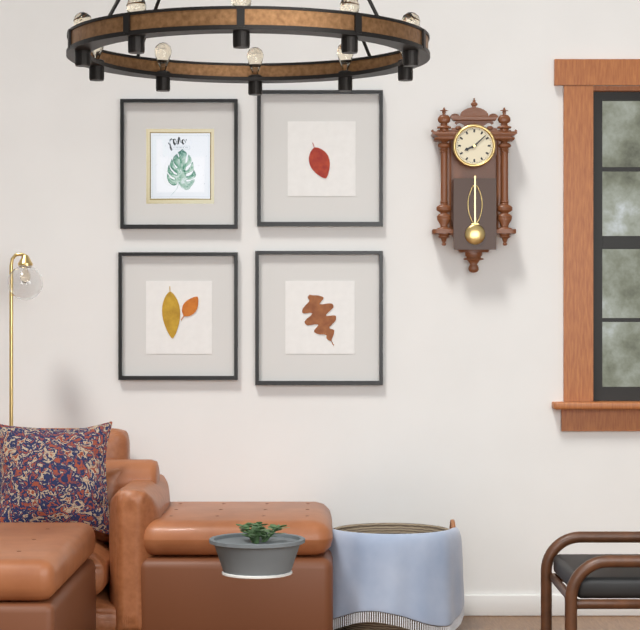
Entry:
h=8 m=8
